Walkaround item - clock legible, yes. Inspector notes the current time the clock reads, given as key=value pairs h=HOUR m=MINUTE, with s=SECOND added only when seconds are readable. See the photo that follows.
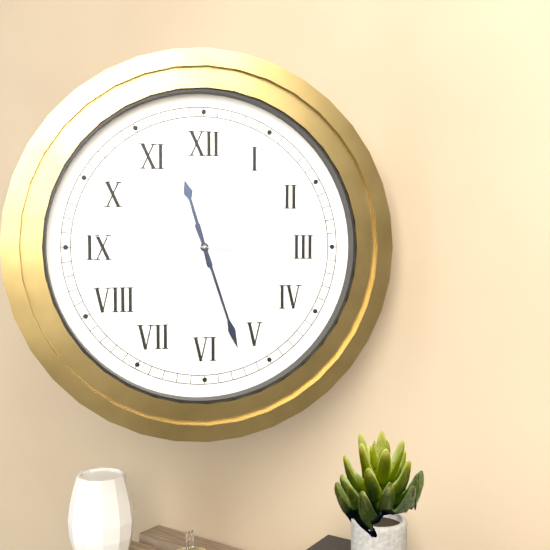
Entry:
h=11 m=27 s=46
